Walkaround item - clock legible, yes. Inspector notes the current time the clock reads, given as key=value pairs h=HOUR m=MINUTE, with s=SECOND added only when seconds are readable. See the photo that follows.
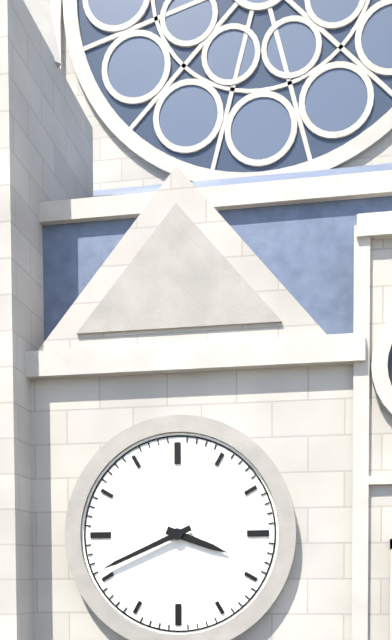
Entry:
h=3 m=41
